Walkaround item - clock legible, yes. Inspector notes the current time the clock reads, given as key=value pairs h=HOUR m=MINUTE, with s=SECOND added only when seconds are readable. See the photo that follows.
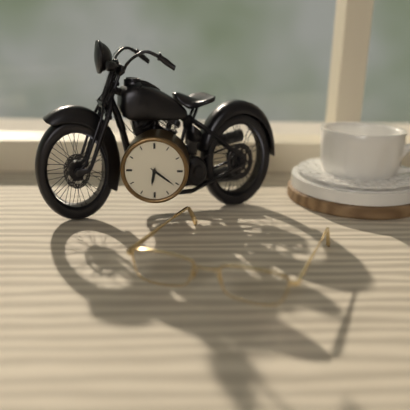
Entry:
h=6 m=21
